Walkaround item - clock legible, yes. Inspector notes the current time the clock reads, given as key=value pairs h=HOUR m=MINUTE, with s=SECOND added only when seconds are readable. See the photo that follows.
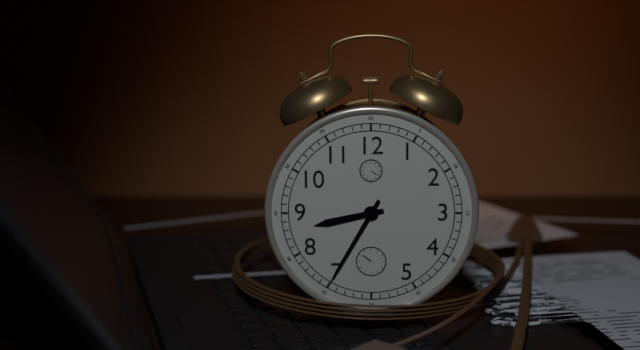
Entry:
h=8 m=35
